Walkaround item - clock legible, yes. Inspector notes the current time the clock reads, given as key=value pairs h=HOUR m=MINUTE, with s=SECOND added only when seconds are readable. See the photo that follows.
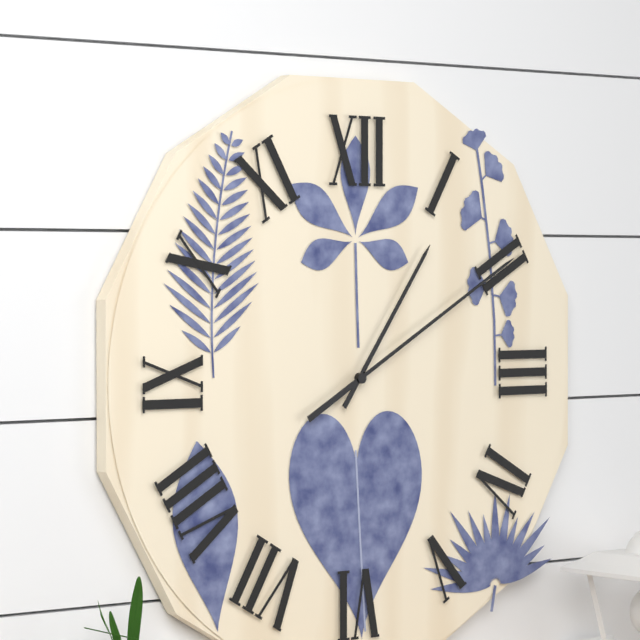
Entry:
h=1 m=10
